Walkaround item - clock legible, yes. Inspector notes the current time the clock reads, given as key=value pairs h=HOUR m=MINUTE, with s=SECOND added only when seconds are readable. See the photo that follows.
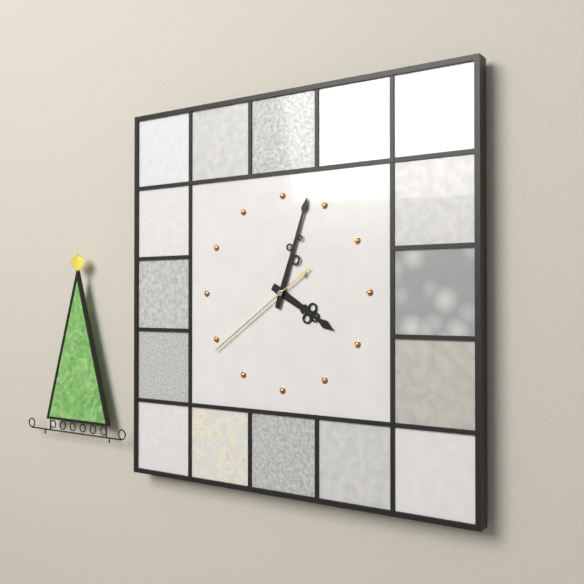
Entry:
h=4 m=3 s=39
